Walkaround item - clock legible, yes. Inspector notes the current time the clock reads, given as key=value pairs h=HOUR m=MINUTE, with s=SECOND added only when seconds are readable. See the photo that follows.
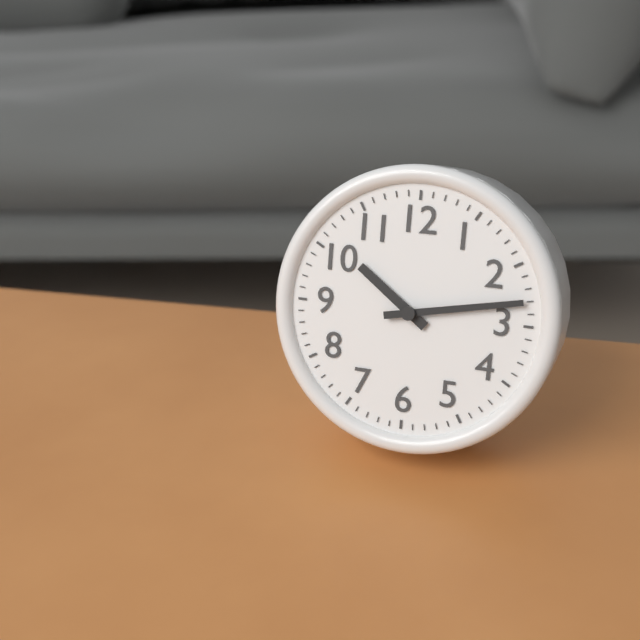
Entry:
h=10 m=13
